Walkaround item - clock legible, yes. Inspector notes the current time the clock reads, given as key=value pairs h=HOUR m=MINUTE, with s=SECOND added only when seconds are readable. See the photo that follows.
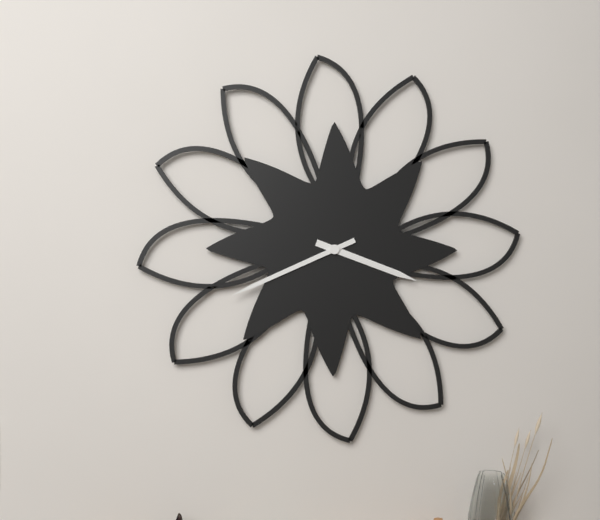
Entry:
h=3 m=41
